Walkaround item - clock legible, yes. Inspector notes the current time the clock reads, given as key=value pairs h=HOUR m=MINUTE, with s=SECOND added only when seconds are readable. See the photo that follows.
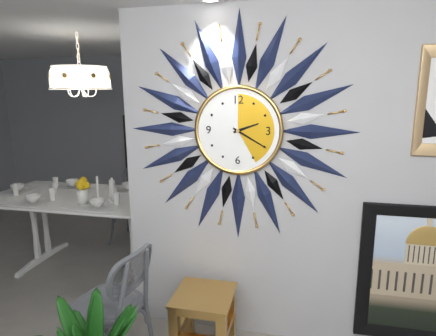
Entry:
h=2 m=20
